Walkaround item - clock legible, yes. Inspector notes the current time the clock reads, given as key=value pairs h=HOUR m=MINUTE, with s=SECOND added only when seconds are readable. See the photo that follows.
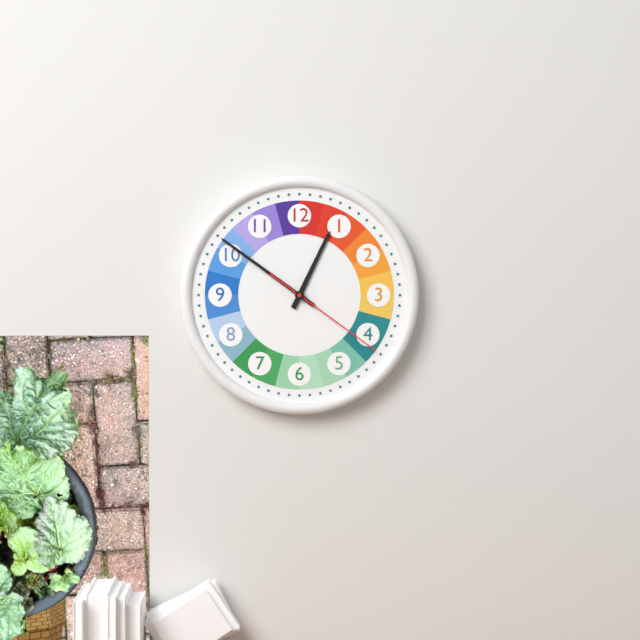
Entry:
h=12 m=51 s=21
